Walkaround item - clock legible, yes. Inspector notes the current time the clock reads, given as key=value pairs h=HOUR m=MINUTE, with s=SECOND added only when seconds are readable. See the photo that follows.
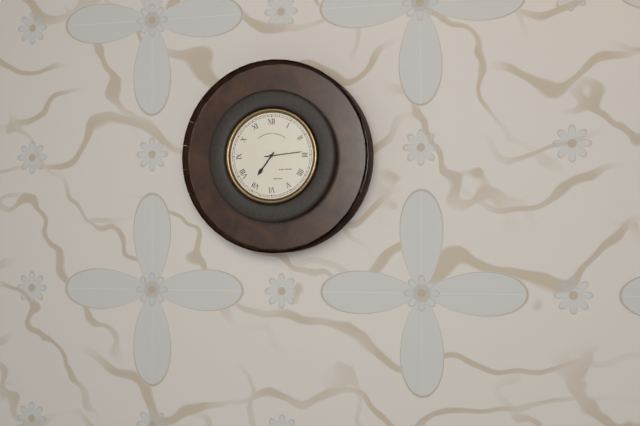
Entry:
h=7 m=14
